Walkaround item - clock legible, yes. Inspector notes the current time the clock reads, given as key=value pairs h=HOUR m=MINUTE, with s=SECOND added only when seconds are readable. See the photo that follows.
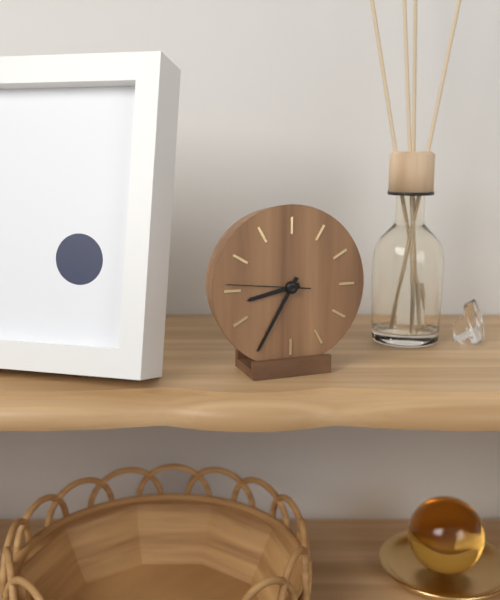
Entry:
h=8 m=35 s=46
